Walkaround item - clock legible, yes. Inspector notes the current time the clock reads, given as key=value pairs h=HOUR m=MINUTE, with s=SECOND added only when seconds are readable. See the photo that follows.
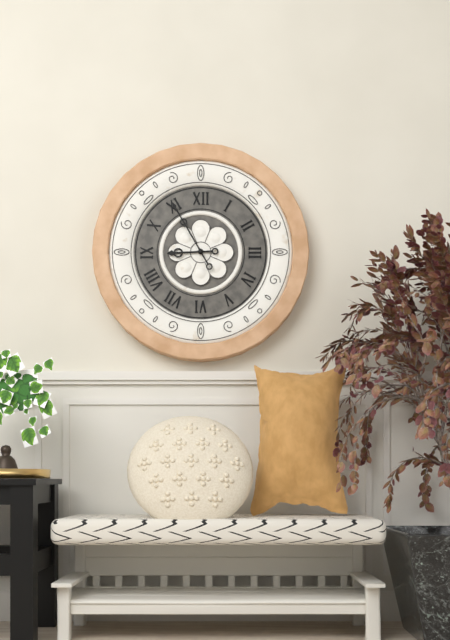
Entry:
h=8 m=55
